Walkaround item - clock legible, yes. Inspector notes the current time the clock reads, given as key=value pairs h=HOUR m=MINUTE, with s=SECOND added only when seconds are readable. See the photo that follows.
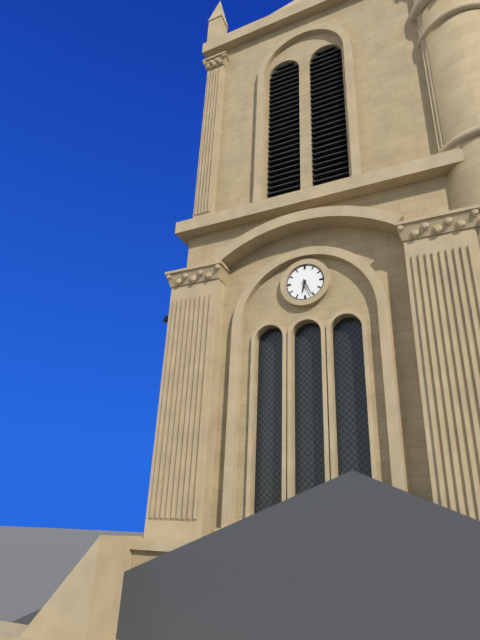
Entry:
h=6 m=26
